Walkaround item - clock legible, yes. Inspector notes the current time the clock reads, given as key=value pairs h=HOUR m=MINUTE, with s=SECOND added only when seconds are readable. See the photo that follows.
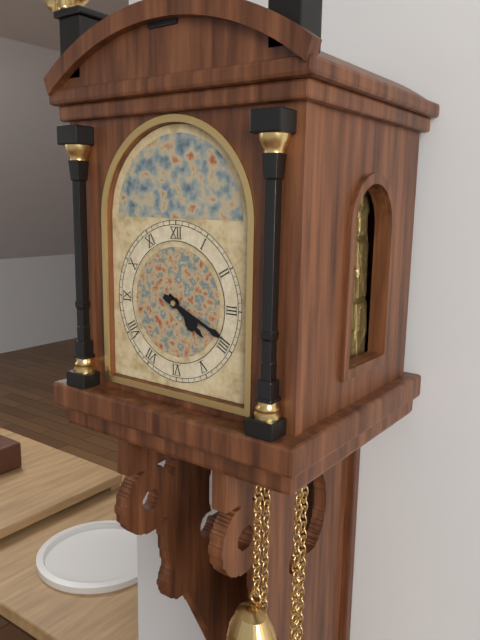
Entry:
h=4 m=19
